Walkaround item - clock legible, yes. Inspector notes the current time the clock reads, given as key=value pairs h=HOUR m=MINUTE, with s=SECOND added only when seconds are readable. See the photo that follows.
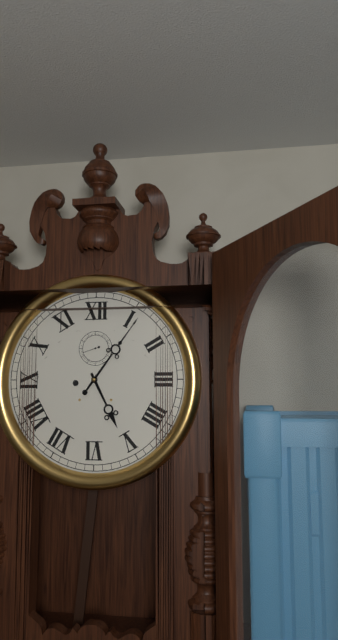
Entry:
h=5 m=6
